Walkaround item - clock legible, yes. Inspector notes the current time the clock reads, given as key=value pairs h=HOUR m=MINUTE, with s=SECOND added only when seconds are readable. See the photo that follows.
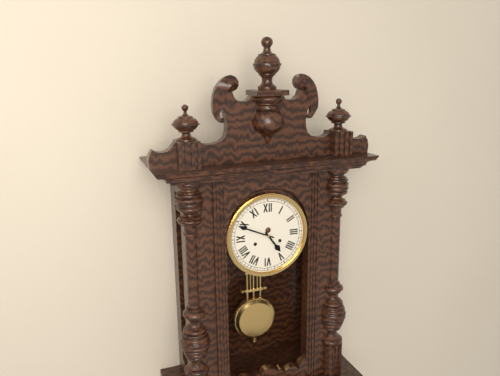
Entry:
h=4 m=49
